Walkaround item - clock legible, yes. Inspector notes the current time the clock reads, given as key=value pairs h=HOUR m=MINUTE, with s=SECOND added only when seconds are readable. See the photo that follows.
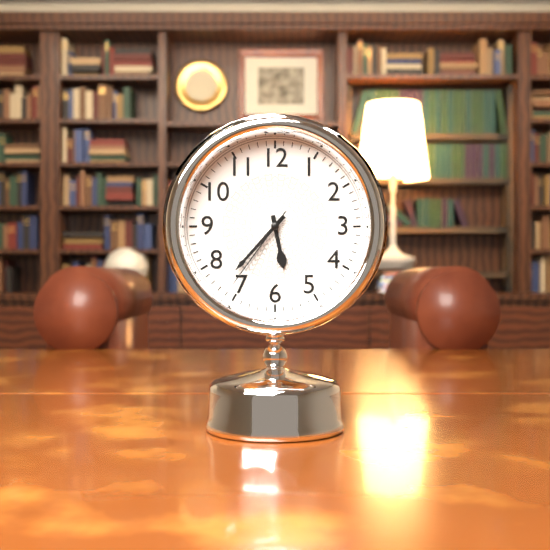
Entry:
h=5 m=37 s=36
